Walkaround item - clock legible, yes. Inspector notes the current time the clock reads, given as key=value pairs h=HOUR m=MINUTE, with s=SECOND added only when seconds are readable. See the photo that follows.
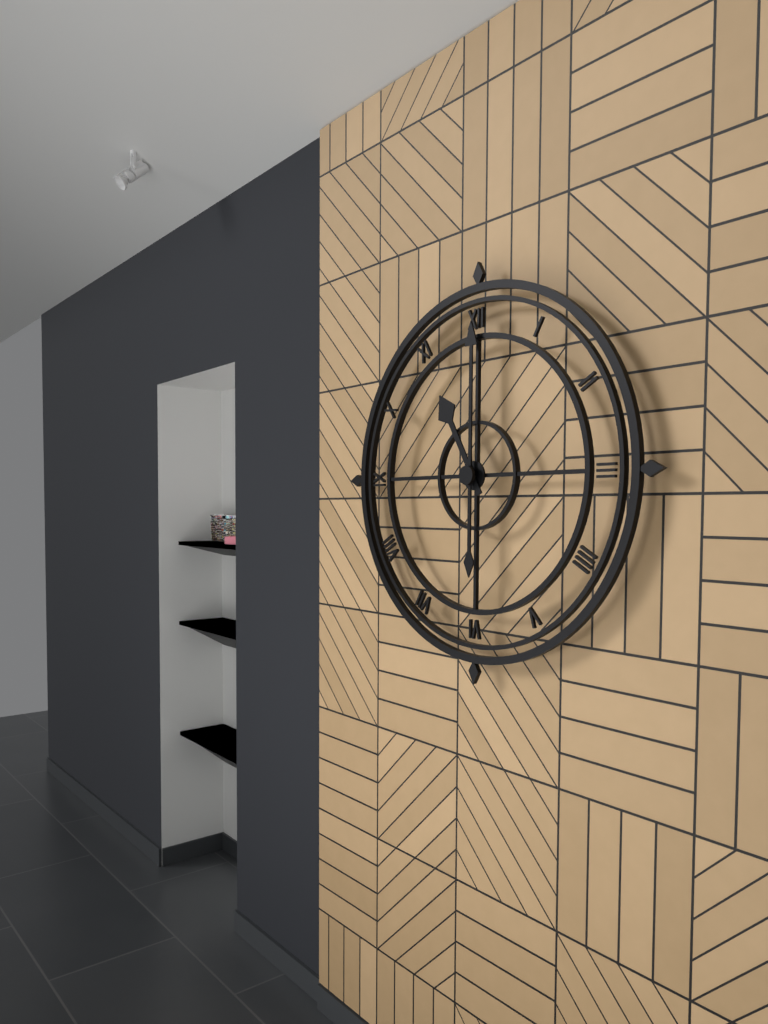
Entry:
h=11 m=0
